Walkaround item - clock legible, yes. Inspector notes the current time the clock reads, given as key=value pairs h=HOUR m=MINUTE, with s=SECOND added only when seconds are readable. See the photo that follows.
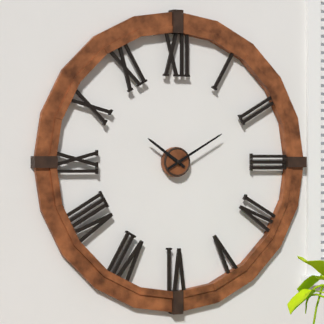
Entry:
h=10 m=10
